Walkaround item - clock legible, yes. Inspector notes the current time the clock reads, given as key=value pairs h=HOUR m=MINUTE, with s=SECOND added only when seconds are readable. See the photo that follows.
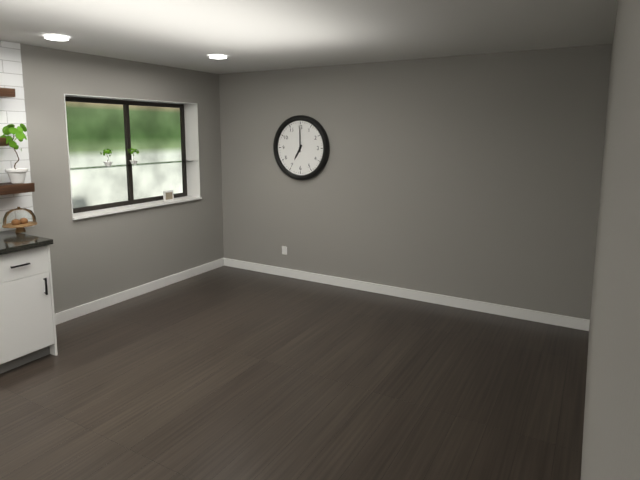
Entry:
h=7 m=0
